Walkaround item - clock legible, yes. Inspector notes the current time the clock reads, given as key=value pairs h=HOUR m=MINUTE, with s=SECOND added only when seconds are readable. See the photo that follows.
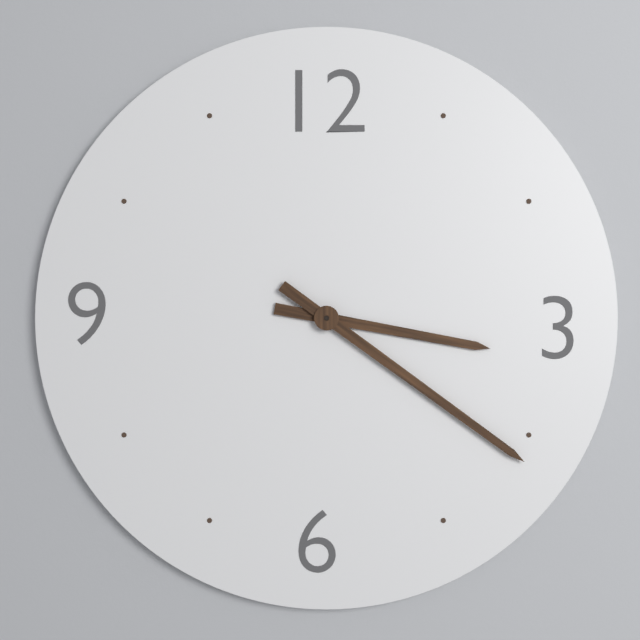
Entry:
h=3 m=21
